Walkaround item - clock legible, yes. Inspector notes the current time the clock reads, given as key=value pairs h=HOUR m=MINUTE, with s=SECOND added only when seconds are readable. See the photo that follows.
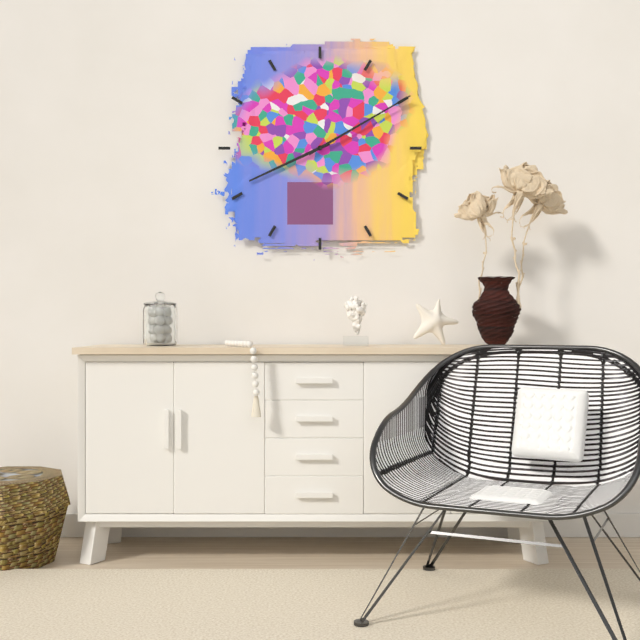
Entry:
h=8 m=10
